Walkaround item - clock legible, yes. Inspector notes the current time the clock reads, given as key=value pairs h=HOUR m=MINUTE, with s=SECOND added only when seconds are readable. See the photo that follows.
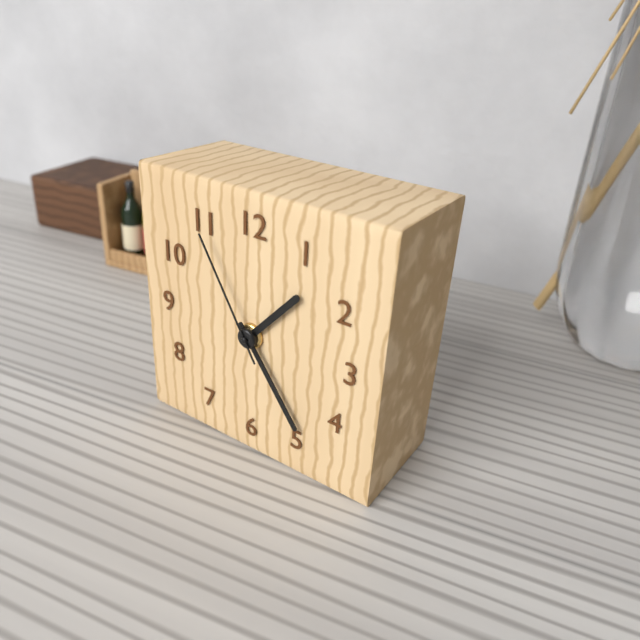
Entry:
h=1 m=24 s=55
